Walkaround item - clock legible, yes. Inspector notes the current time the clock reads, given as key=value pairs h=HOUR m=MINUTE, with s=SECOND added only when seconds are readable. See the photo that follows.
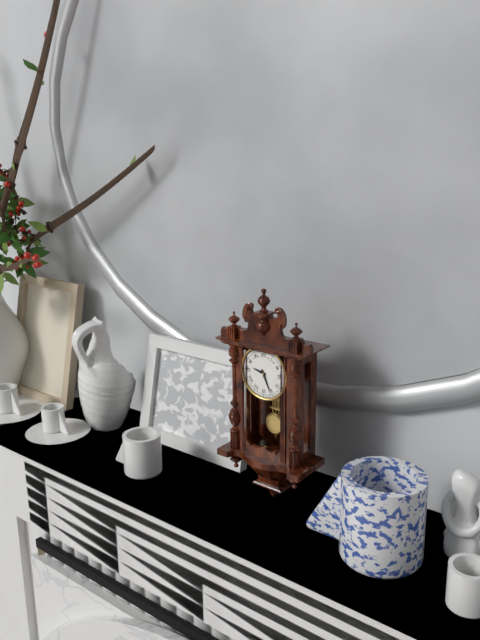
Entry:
h=9 m=26
